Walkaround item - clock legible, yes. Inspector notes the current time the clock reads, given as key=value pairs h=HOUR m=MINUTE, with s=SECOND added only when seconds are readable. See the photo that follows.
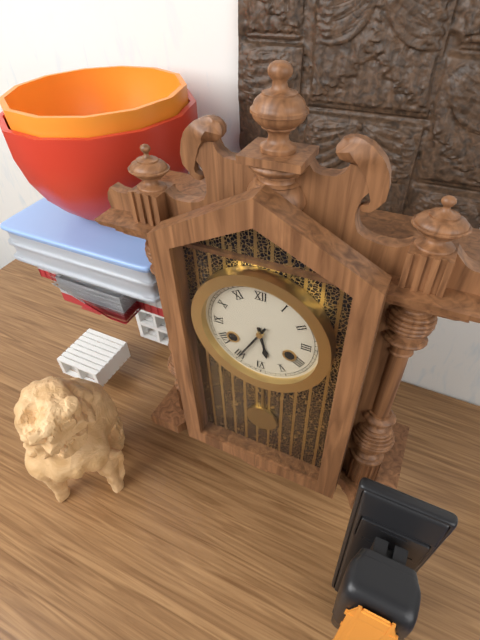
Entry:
h=5 m=35
